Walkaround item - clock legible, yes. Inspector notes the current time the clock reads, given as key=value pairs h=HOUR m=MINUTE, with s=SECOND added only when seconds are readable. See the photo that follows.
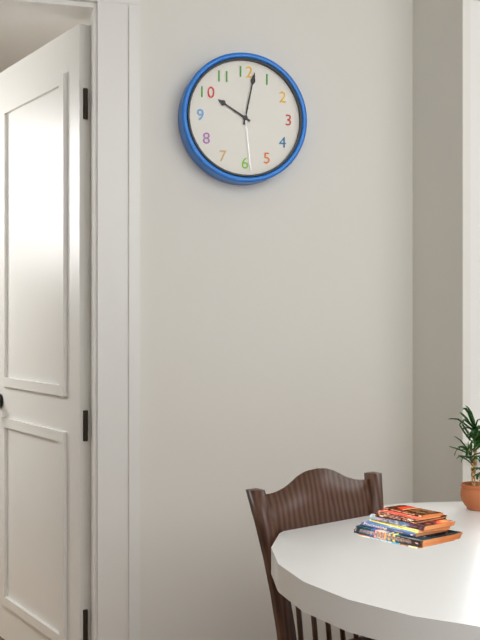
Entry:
h=10 m=2 s=29
